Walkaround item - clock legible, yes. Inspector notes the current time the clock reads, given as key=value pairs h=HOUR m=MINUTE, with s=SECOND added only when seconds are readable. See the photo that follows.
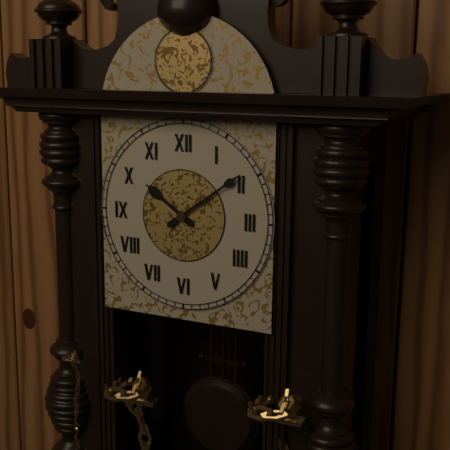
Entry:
h=10 m=9
